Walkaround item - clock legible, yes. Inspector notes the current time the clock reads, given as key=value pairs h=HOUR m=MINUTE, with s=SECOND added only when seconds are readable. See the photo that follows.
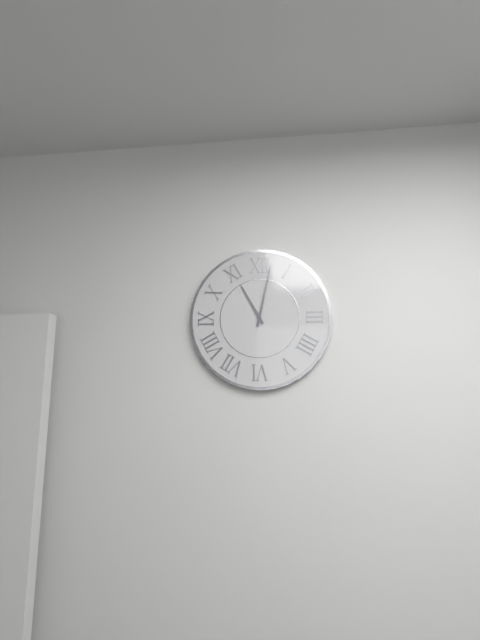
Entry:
h=11 m=2
